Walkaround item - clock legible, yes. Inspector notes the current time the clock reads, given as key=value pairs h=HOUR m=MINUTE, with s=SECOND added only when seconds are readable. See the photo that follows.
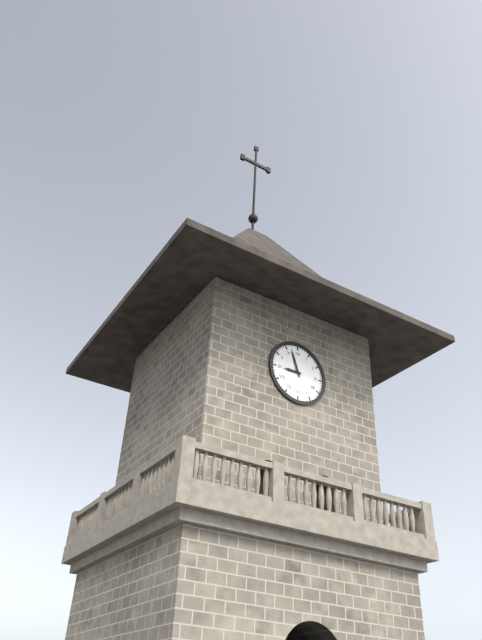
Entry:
h=8 m=57
